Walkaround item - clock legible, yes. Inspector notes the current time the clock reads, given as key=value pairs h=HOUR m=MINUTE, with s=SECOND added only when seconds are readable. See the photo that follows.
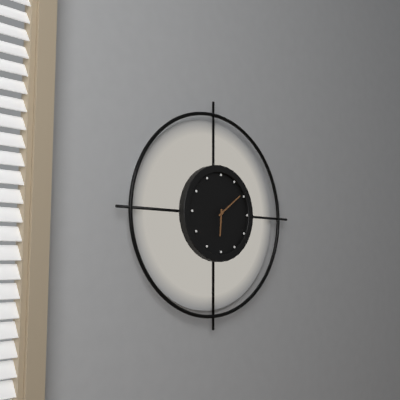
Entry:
h=6 m=9
